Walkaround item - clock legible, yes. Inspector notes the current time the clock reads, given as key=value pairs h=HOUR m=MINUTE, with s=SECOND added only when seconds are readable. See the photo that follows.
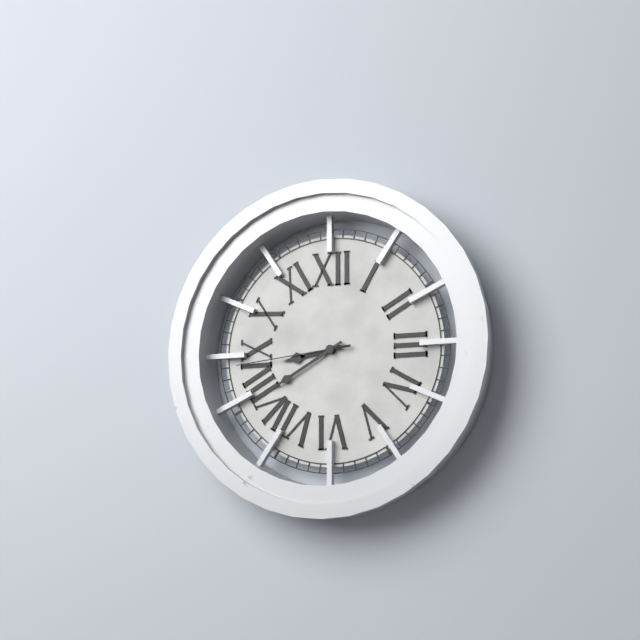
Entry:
h=8 m=40 s=44
